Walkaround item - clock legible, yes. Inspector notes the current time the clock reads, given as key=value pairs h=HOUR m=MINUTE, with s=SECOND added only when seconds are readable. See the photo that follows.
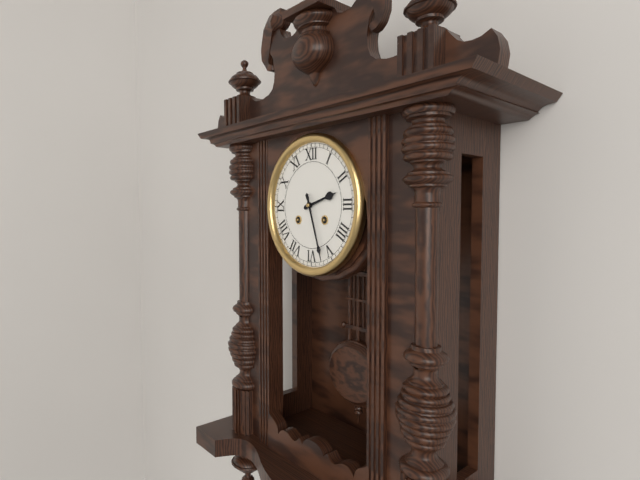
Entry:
h=2 m=27
